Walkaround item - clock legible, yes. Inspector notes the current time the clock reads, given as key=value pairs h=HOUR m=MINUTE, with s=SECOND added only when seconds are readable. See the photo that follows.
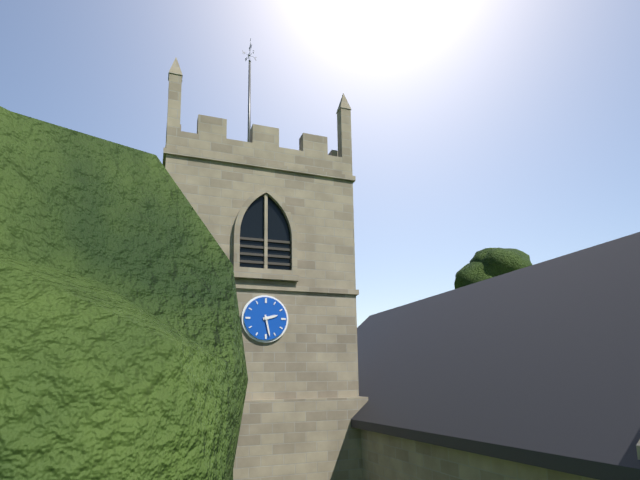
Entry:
h=2 m=28
